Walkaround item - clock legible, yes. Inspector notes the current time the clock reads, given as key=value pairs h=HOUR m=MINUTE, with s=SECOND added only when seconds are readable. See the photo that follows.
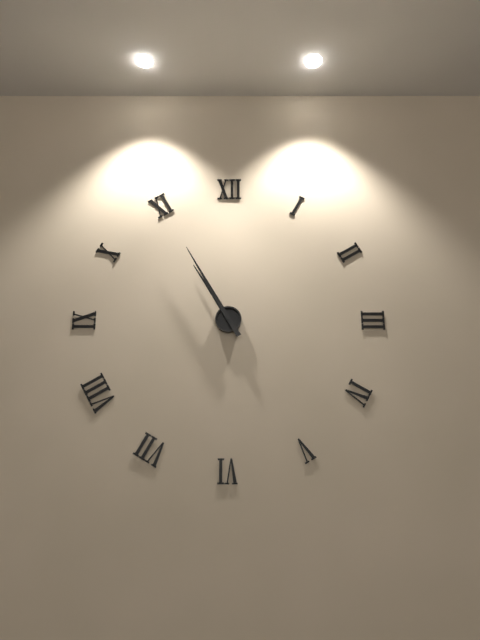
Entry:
h=10 m=55
